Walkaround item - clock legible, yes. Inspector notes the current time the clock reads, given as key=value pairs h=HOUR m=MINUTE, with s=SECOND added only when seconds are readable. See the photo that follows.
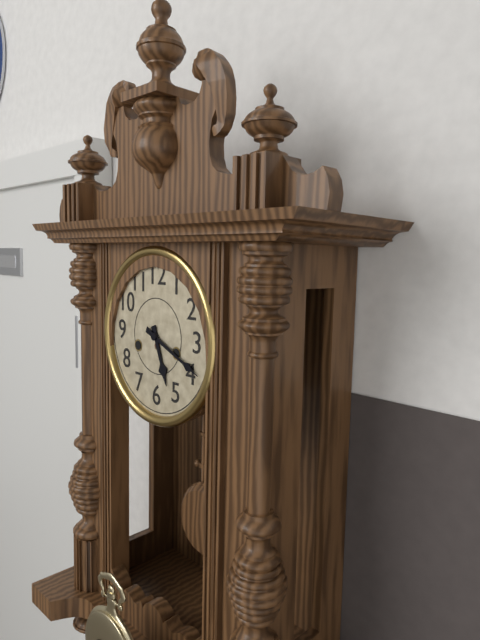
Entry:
h=5 m=19
